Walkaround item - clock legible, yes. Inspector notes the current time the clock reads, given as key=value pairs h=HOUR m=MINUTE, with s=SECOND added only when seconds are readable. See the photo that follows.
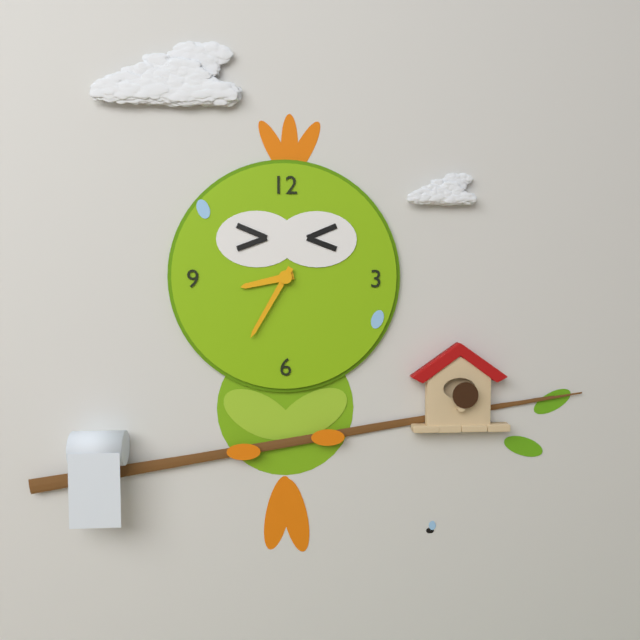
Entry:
h=8 m=35
